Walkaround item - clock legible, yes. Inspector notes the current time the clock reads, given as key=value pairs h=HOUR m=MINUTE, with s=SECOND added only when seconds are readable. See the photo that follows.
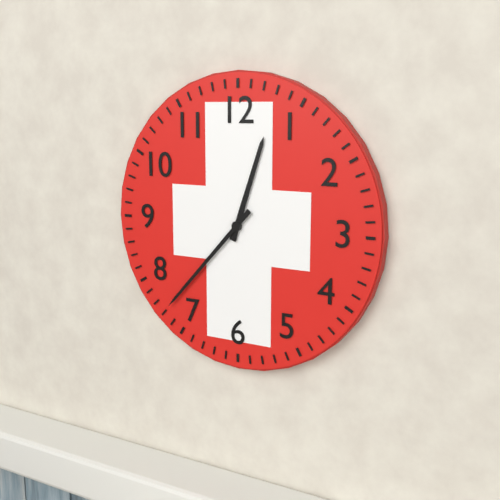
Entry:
h=12 m=37
